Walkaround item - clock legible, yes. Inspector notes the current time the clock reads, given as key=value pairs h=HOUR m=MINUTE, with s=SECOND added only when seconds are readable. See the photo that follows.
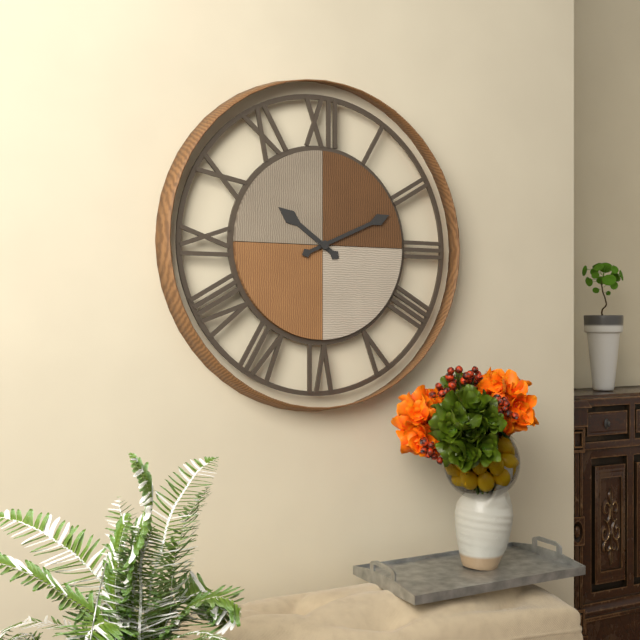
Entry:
h=10 m=11
